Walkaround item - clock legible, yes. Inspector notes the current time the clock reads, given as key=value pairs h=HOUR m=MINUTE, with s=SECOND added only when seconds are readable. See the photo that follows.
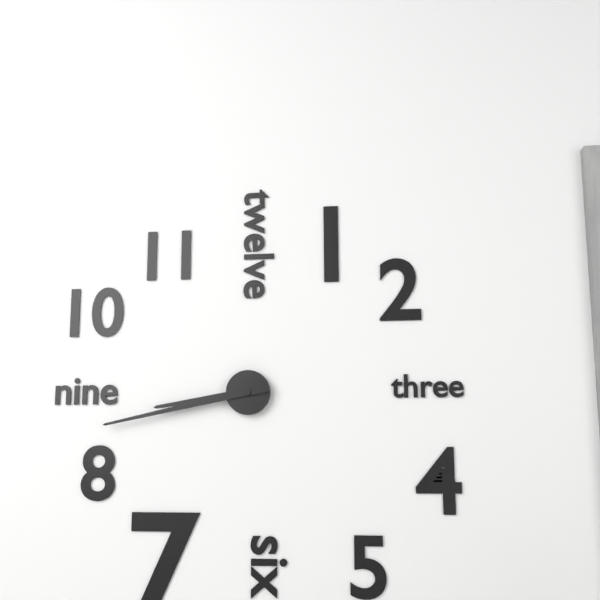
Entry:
h=8 m=43
